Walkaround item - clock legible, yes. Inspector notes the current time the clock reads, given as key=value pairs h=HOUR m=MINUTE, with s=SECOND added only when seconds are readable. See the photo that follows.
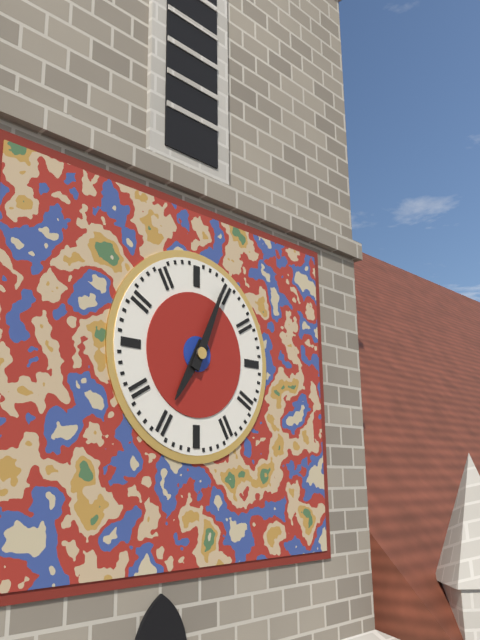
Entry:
h=7 m=4
